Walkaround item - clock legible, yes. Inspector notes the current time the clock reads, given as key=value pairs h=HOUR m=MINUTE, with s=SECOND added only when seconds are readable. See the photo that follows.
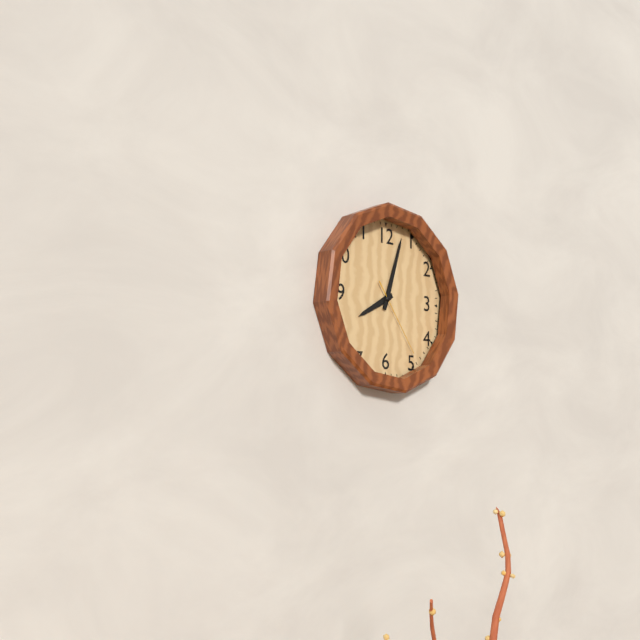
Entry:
h=8 m=3 s=24
